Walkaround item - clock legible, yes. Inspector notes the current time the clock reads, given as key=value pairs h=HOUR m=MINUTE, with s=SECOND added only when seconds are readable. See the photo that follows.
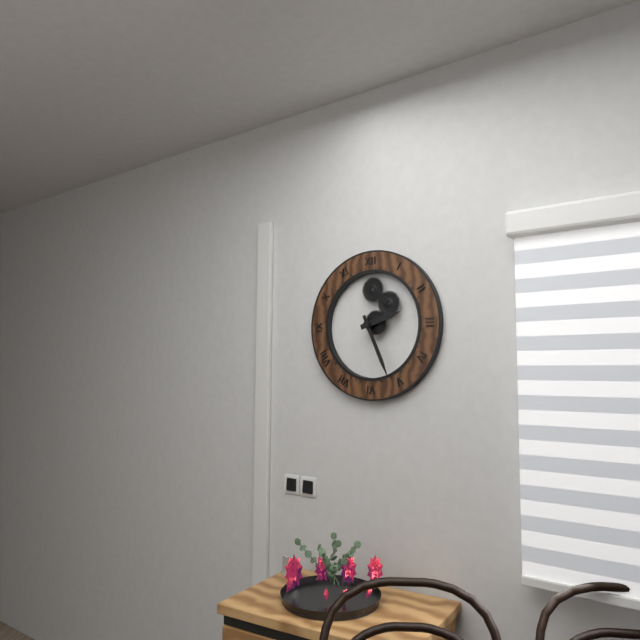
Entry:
h=2 m=26
